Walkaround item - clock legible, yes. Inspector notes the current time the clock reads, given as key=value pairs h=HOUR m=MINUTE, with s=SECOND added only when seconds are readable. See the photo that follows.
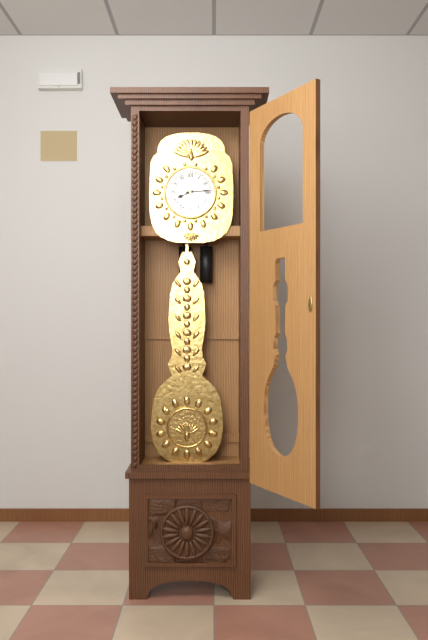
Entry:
h=8 m=14
